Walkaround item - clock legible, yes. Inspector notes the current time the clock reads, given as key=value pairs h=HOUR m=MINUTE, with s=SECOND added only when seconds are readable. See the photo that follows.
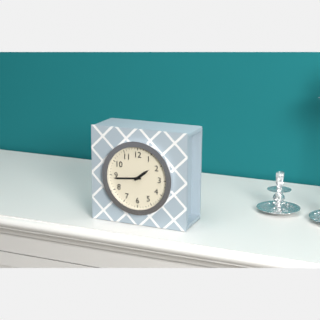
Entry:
h=1 m=44
